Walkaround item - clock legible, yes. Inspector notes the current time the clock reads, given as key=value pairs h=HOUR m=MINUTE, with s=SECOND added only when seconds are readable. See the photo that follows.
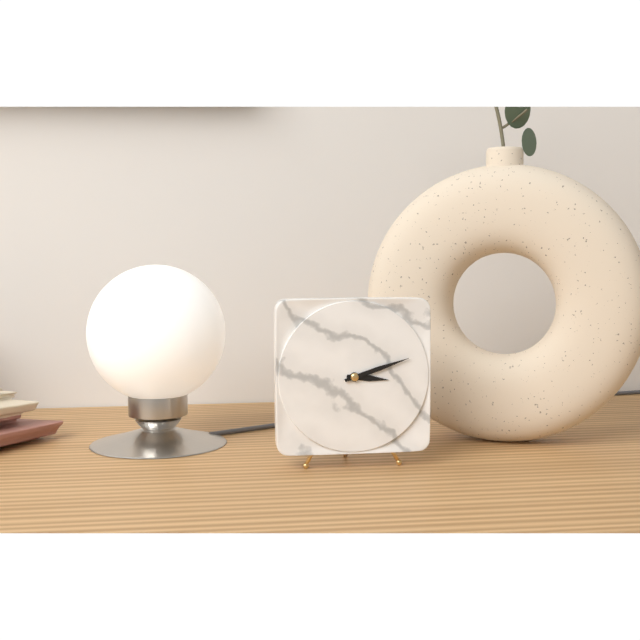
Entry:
h=3 m=12
